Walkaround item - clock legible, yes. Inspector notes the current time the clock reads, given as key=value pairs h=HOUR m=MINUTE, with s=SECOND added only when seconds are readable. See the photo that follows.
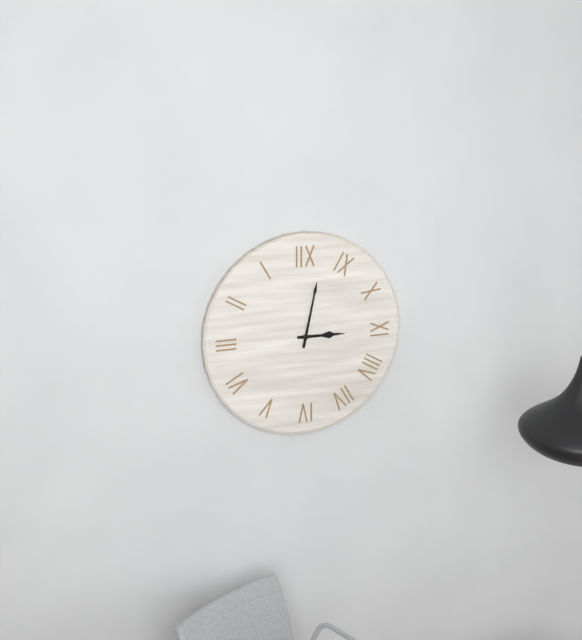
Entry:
h=3 m=2
